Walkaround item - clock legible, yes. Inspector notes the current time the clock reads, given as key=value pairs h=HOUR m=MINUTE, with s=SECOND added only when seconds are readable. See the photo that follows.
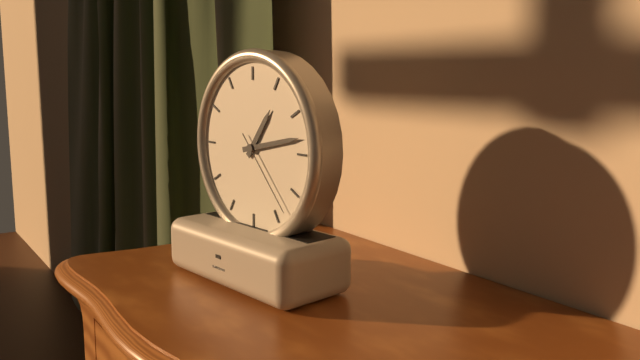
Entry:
h=1 m=13 s=23
